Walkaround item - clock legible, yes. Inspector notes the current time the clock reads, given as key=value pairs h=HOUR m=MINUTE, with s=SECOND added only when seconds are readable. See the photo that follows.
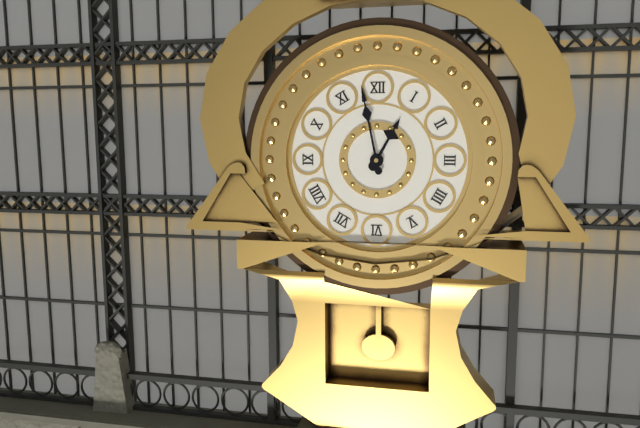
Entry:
h=12 m=58
